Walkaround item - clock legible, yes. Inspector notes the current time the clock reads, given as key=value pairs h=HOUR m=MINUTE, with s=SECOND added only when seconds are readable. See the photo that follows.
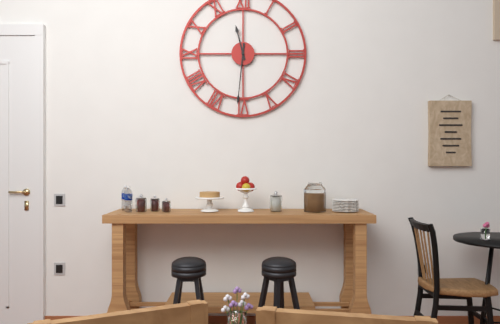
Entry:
h=11 m=31
